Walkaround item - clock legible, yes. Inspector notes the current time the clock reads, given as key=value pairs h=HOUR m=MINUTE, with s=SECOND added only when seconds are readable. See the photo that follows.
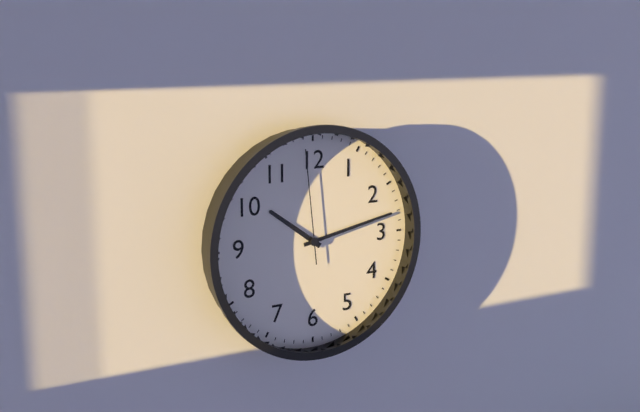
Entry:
h=10 m=13 s=59
